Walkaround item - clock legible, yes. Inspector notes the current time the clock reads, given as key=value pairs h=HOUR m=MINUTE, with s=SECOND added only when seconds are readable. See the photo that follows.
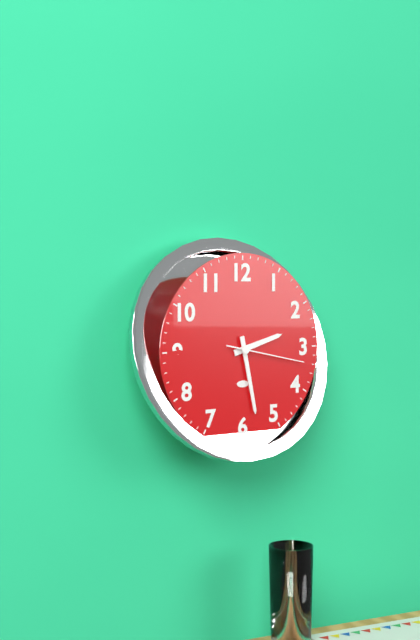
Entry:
h=2 m=28 s=17
